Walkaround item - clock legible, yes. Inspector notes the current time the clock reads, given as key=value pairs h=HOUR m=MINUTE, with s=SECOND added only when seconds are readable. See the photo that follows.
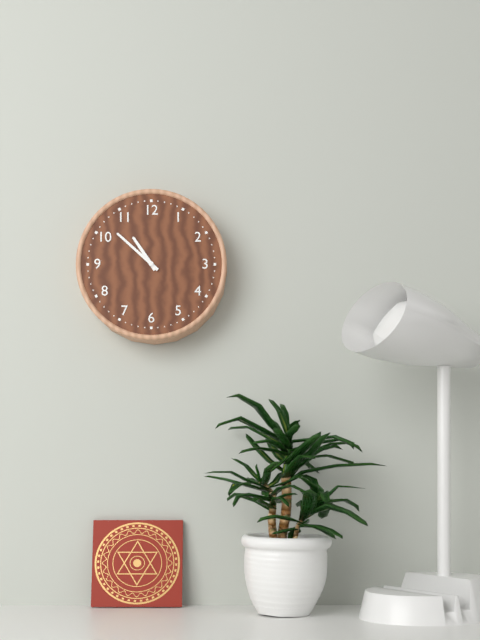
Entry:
h=10 m=52
